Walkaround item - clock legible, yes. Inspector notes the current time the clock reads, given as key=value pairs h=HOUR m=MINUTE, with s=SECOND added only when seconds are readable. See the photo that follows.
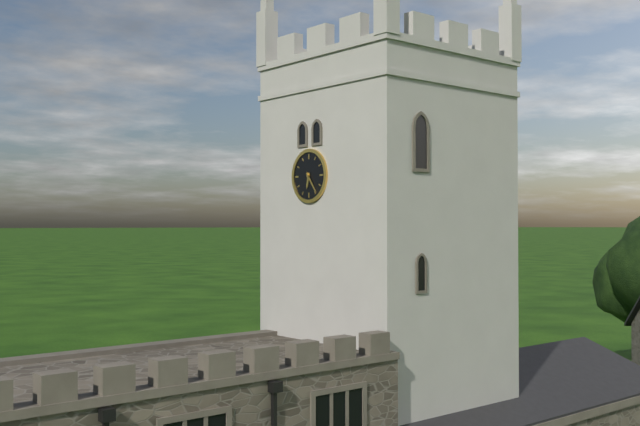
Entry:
h=6 m=24
